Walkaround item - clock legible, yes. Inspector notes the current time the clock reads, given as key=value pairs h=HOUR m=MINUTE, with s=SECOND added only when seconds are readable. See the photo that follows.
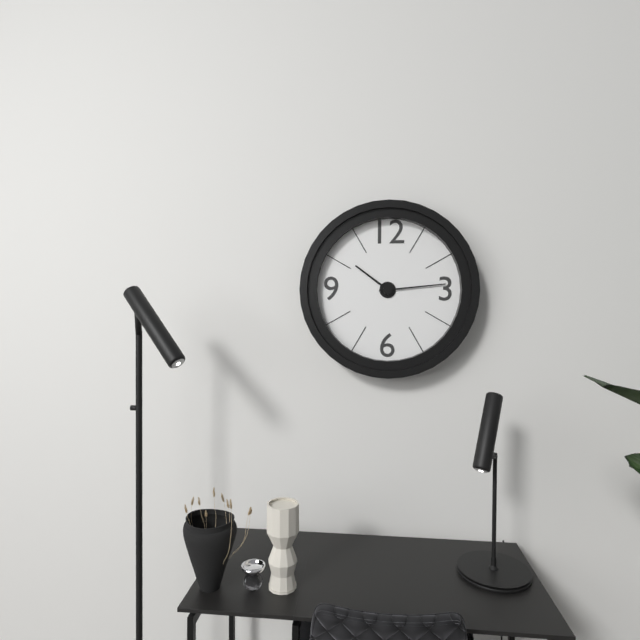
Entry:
h=10 m=14
